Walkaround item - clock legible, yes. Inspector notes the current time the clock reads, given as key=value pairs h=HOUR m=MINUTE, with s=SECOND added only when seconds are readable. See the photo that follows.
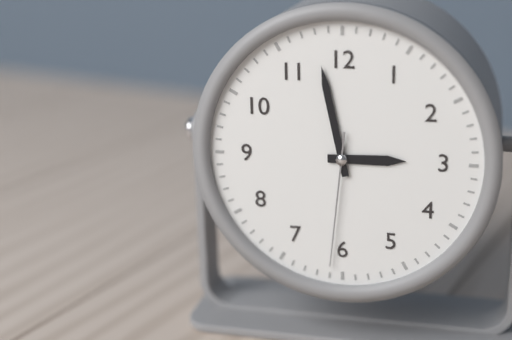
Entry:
h=2 m=58 s=31
